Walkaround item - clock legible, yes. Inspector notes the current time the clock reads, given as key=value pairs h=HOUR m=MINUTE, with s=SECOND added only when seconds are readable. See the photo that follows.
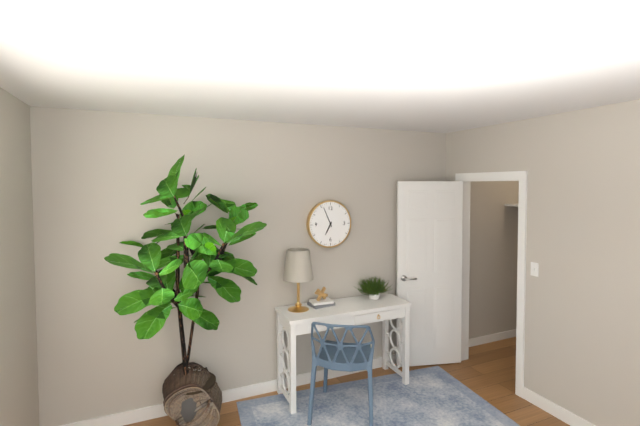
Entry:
h=6 m=56
